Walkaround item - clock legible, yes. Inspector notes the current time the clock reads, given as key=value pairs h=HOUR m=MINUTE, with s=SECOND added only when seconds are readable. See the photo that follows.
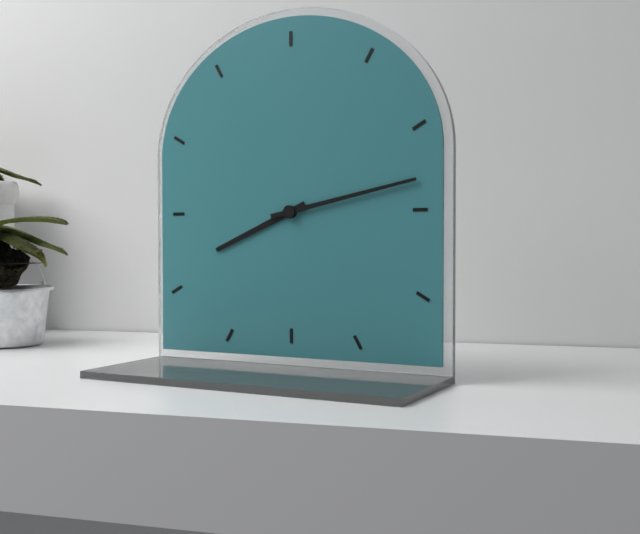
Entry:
h=8 m=13
